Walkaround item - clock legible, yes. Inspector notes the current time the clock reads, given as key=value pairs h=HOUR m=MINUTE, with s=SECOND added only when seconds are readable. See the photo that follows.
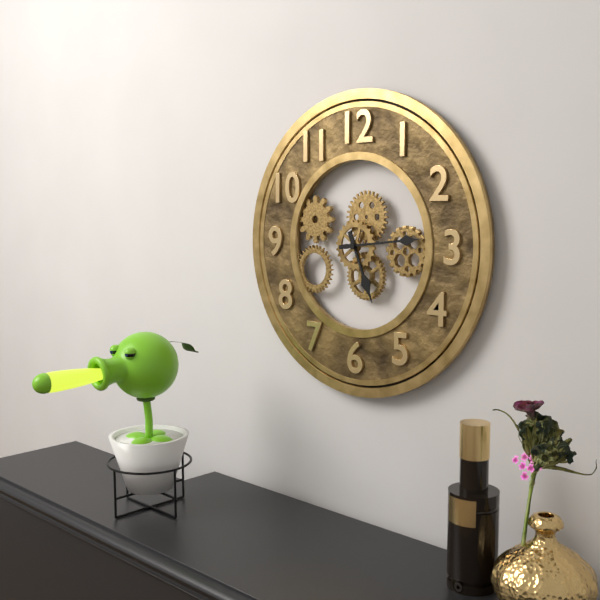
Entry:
h=5 m=14
